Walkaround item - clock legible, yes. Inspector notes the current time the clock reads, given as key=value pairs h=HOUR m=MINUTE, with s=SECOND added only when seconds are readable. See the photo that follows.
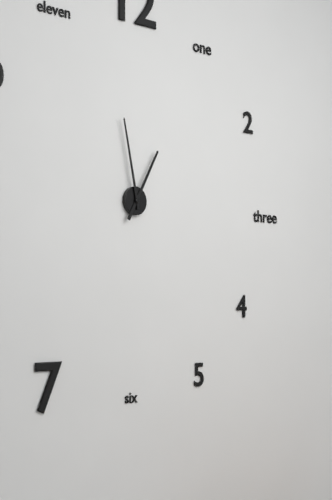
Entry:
h=12 m=58
